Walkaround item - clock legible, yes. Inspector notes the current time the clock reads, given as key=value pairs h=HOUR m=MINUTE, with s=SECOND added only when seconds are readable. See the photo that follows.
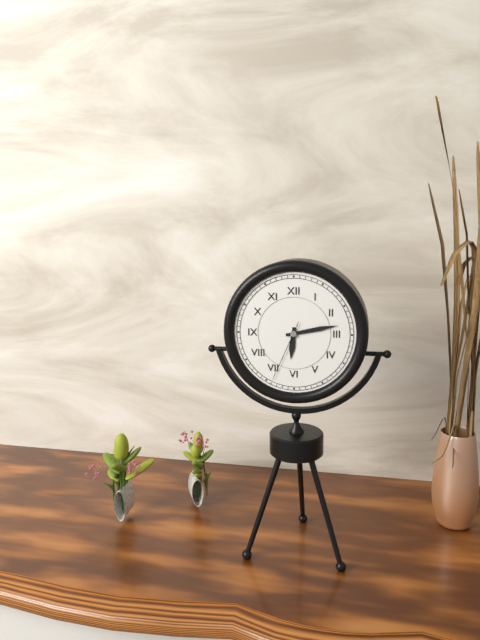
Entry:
h=6 m=13 s=34
